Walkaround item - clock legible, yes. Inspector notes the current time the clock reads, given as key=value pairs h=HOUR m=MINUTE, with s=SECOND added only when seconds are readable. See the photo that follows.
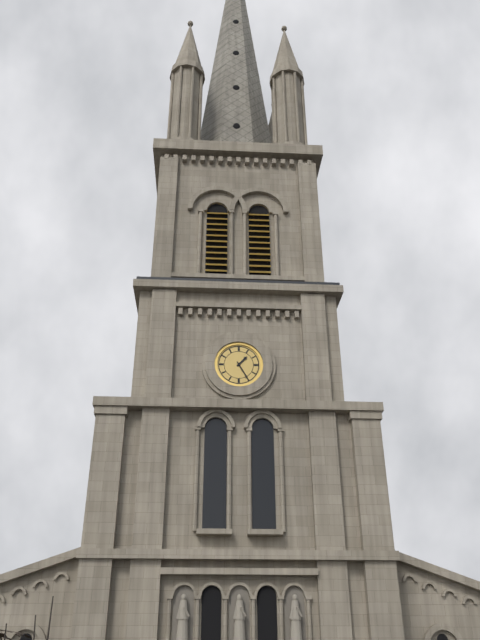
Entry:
h=1 m=25
